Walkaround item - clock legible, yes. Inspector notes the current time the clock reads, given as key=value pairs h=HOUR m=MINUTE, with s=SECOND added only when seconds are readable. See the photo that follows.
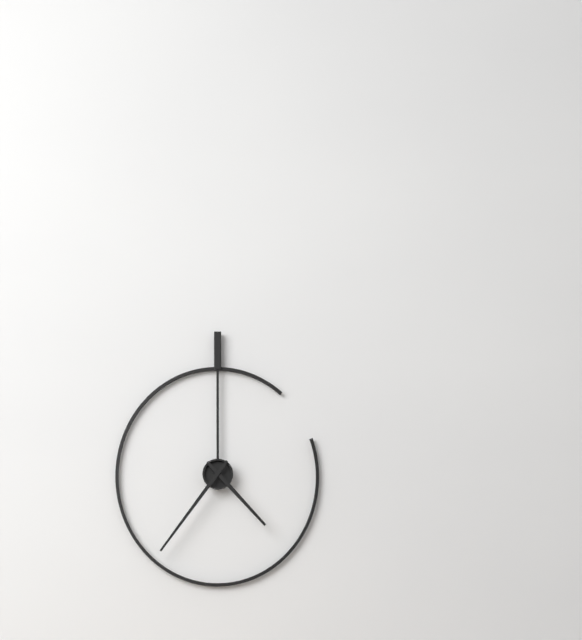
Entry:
h=4 m=36
